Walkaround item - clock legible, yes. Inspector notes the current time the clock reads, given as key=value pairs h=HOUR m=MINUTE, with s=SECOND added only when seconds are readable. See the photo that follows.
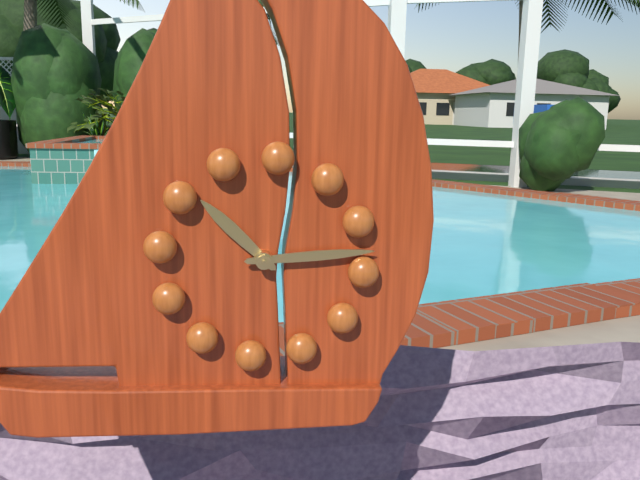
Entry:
h=10 m=13
